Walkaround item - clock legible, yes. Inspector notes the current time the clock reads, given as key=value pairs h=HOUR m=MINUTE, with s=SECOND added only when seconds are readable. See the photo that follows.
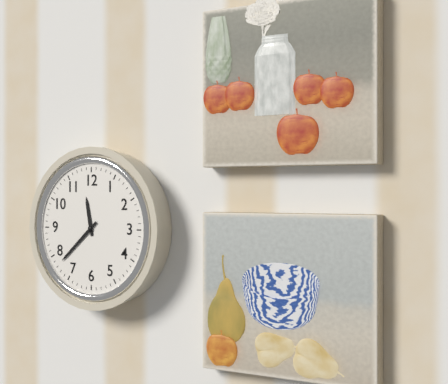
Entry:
h=11 m=38
